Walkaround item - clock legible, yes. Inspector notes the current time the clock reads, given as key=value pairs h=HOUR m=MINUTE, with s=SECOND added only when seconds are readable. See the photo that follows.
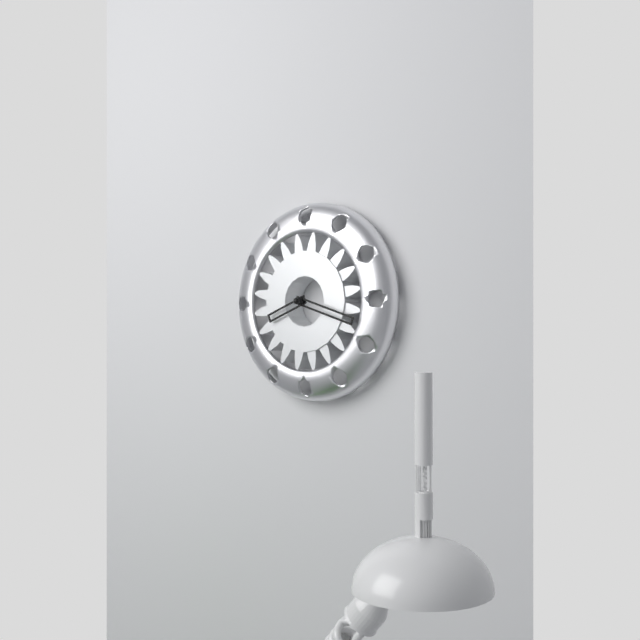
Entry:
h=8 m=18
